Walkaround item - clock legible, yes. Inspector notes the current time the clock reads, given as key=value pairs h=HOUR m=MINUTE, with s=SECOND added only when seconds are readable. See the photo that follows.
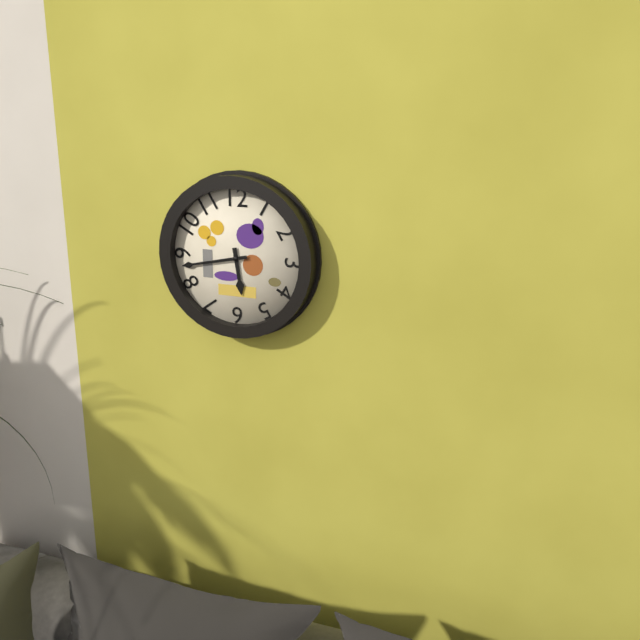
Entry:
h=5 m=43
